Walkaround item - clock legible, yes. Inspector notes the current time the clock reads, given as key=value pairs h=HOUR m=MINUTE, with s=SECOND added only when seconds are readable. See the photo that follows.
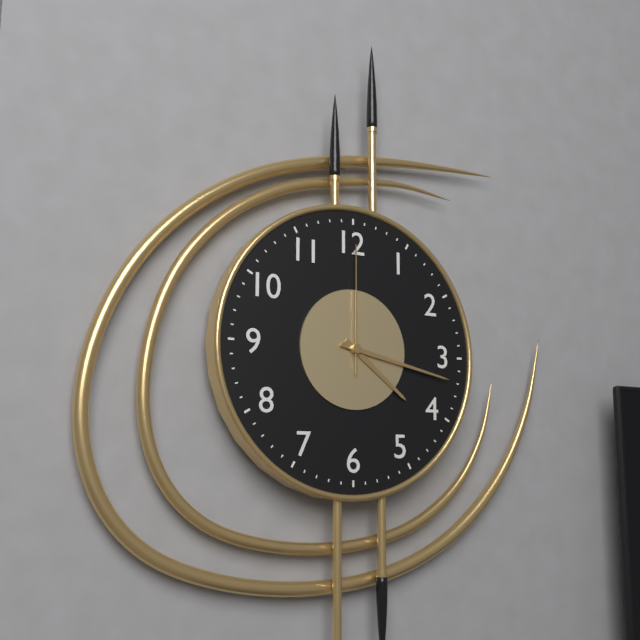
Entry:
h=4 m=17 s=0
